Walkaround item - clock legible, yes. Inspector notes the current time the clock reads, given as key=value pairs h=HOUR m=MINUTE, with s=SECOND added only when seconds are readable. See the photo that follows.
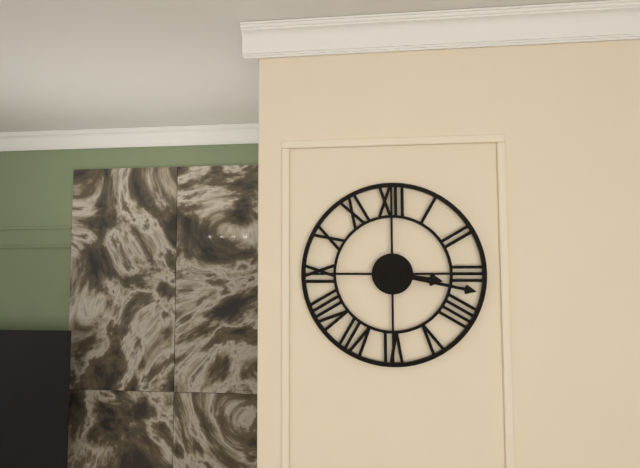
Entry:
h=3 m=17
